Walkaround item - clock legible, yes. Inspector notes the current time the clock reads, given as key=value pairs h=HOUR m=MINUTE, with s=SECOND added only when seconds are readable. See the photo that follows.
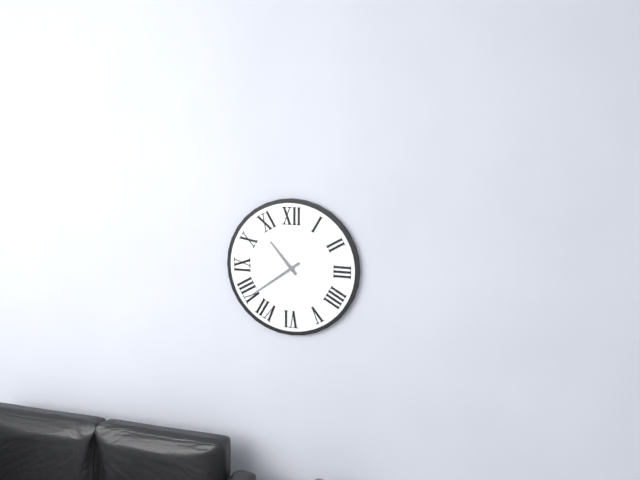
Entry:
h=10 m=39
